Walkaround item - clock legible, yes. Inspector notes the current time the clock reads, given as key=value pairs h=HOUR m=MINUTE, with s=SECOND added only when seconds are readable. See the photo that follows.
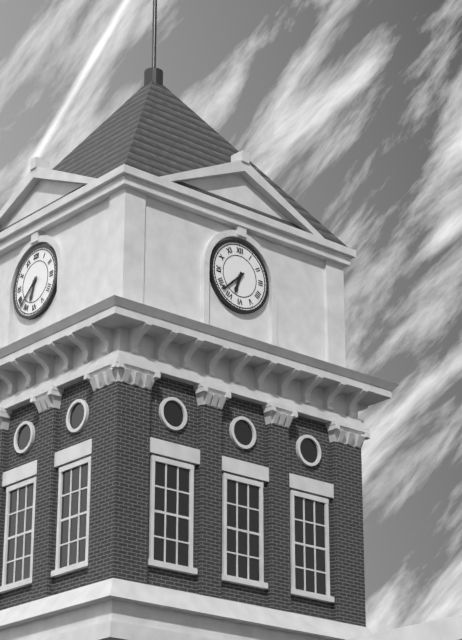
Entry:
h=6 m=38
